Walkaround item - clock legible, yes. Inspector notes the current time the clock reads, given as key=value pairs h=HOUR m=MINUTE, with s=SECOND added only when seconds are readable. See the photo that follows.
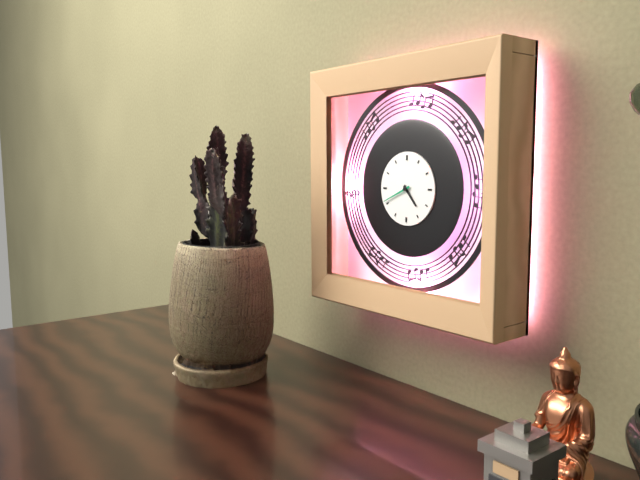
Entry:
h=4 m=41
